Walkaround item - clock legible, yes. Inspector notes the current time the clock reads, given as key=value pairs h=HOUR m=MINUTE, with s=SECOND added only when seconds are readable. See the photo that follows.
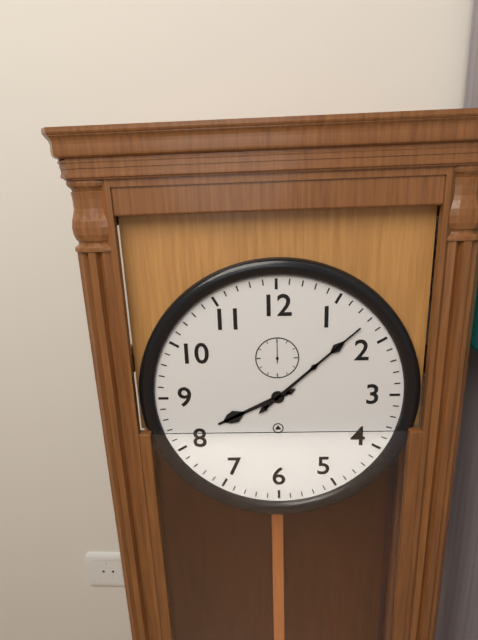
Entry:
h=8 m=8
